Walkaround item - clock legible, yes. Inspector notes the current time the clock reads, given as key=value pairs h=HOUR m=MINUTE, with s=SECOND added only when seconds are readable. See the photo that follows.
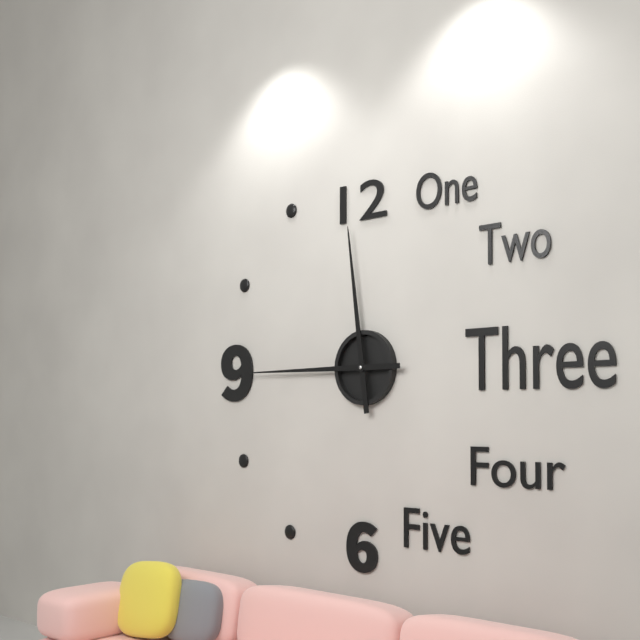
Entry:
h=11 m=45
